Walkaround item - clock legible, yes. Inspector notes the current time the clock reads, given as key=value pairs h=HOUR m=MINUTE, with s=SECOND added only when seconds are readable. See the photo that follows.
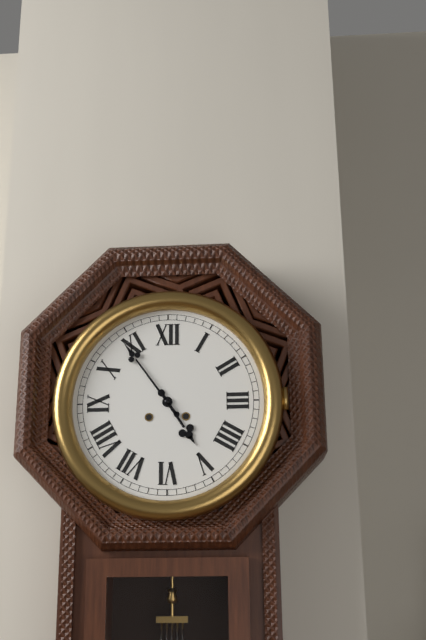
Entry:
h=4 m=54
